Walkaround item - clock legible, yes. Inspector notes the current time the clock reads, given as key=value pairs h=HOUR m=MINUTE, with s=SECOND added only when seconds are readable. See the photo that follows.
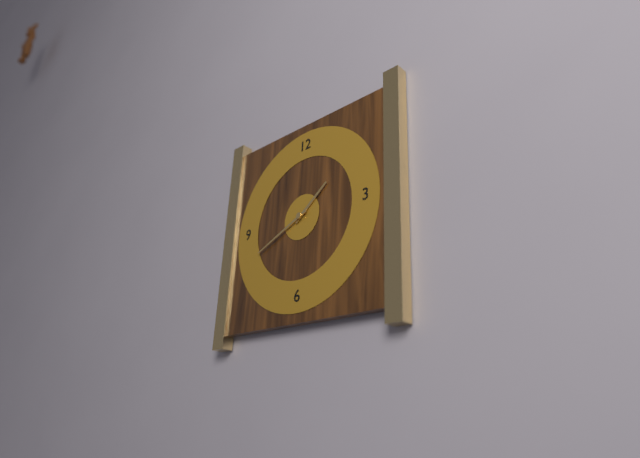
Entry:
h=1 m=41
